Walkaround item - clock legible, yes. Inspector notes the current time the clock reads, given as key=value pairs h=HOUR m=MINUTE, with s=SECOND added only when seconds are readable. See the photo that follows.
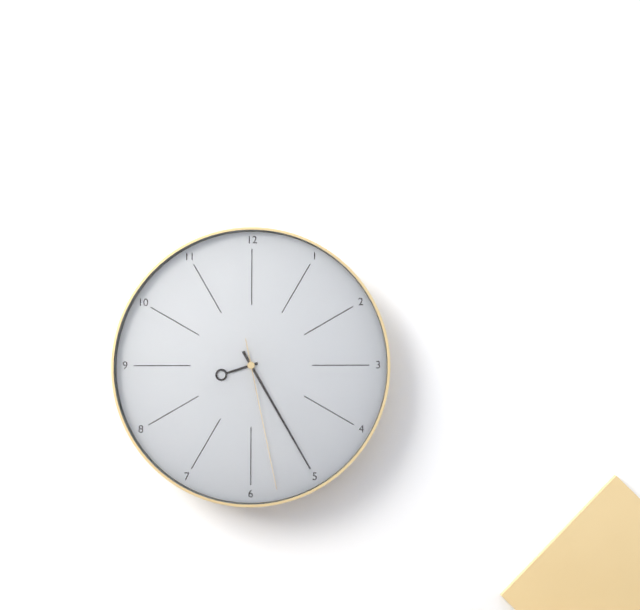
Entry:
h=8 m=25 s=28
